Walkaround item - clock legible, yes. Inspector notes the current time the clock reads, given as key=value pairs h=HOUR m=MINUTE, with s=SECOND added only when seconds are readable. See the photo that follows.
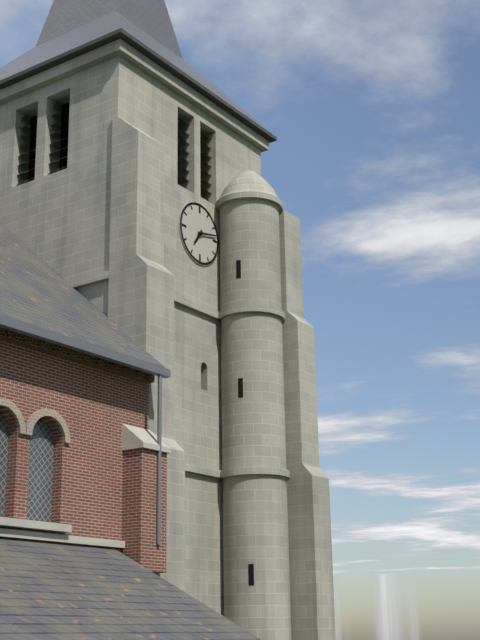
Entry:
h=7 m=13
